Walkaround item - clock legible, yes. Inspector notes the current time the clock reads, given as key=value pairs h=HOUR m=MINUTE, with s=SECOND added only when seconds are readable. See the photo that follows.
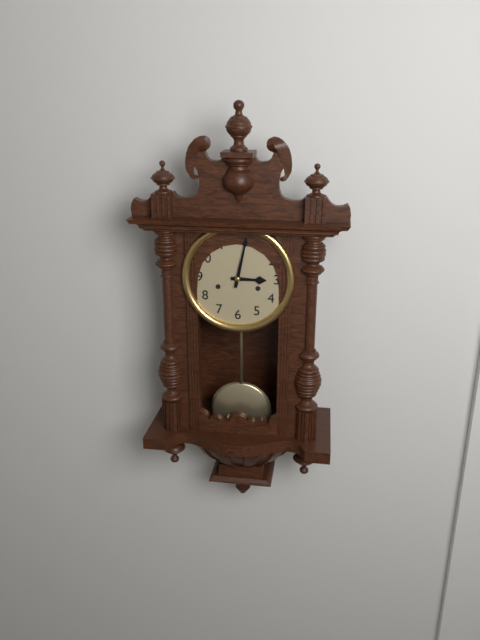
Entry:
h=3 m=2
